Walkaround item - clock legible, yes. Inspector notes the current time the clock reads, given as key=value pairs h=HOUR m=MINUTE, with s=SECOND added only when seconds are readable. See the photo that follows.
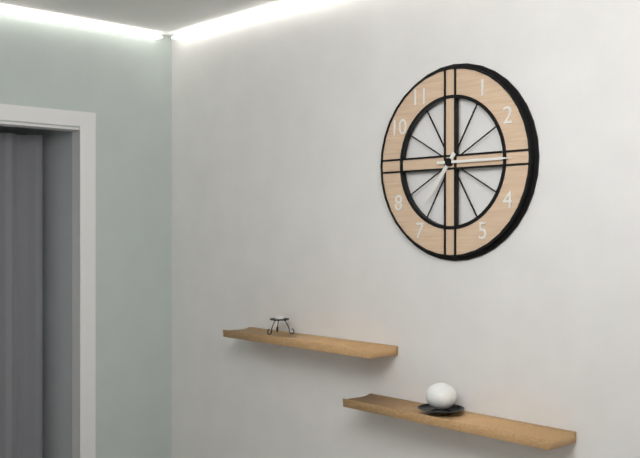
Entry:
h=7 m=15
